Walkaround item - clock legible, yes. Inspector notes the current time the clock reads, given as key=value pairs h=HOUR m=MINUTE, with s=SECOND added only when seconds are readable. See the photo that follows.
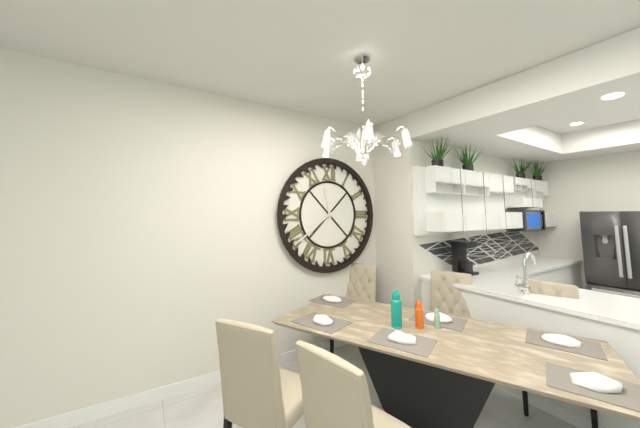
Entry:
h=11 m=39
